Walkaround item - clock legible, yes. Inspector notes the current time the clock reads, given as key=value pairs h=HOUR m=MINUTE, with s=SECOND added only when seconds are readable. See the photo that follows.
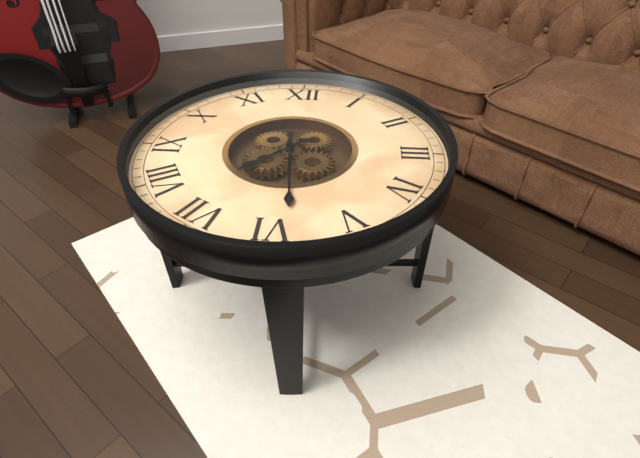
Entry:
h=7 m=29
